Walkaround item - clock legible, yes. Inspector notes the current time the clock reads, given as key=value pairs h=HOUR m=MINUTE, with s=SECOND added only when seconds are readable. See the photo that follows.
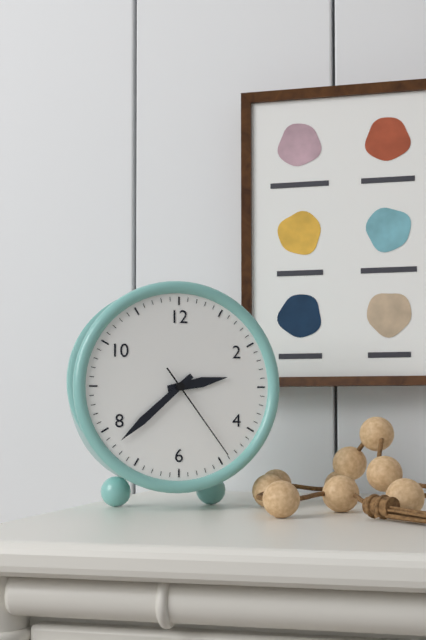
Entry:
h=2 m=38 s=24
